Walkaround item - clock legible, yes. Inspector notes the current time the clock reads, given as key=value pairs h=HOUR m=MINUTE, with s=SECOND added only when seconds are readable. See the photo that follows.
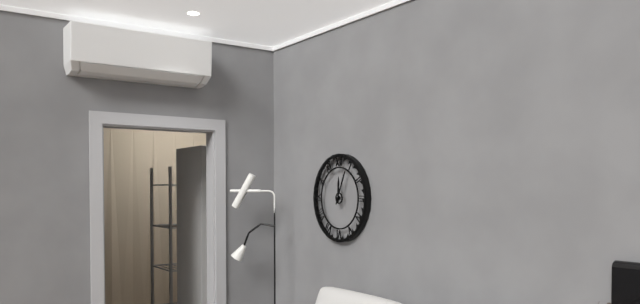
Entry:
h=12 m=4
